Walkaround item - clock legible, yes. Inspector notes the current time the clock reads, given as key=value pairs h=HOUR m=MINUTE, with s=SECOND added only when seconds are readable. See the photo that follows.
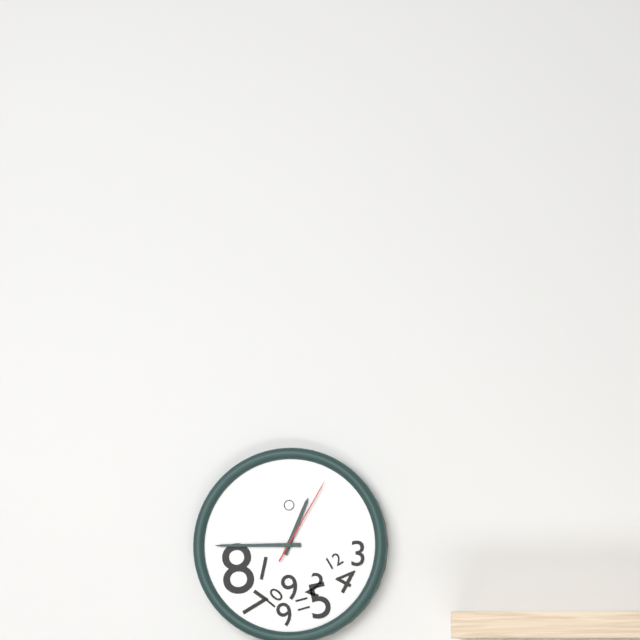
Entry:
h=12 m=45 s=5
